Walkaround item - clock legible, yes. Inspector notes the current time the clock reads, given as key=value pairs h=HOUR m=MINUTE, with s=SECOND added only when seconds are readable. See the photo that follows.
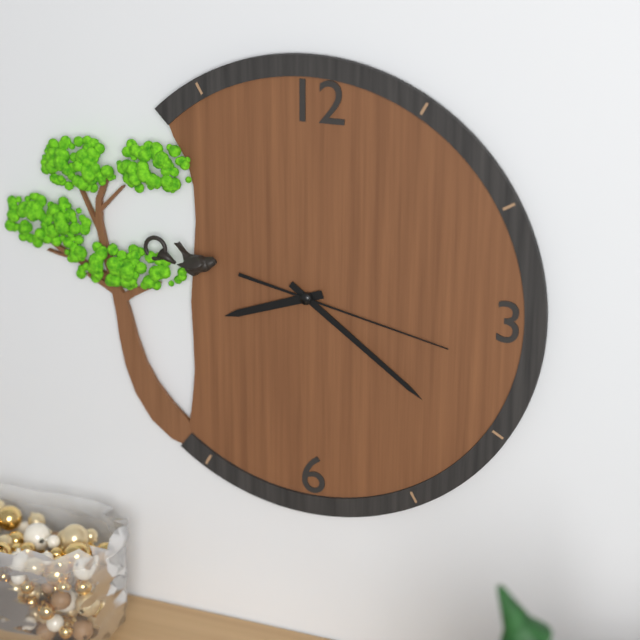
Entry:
h=8 m=21 s=17
